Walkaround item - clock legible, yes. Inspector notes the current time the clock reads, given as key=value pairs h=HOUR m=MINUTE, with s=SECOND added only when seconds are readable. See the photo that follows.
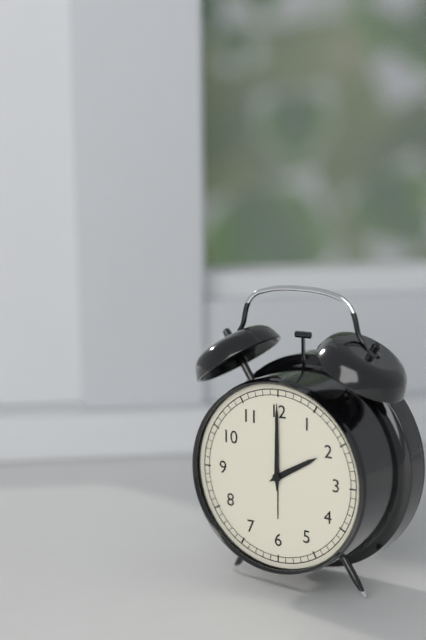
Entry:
h=2 m=0
